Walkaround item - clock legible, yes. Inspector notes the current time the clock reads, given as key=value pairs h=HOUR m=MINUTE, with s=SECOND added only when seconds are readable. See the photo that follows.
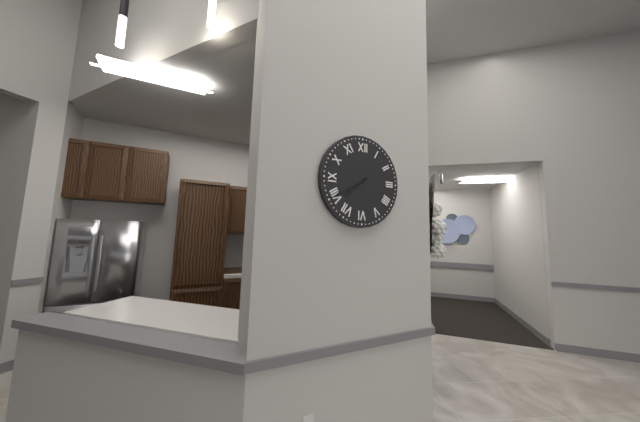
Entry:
h=7 m=40
